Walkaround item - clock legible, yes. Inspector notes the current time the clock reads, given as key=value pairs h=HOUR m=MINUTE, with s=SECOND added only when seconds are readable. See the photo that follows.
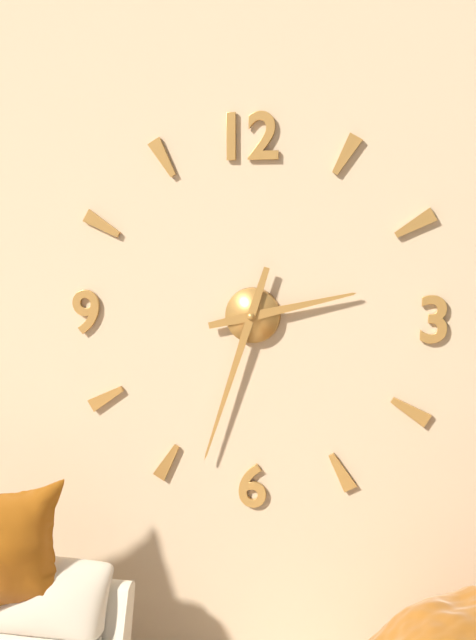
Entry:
h=2 m=33
